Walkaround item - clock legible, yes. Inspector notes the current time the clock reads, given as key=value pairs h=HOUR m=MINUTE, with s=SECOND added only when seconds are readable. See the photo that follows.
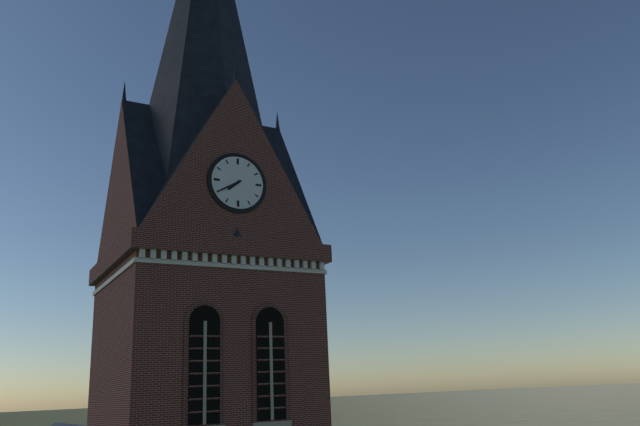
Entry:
h=7 m=40
